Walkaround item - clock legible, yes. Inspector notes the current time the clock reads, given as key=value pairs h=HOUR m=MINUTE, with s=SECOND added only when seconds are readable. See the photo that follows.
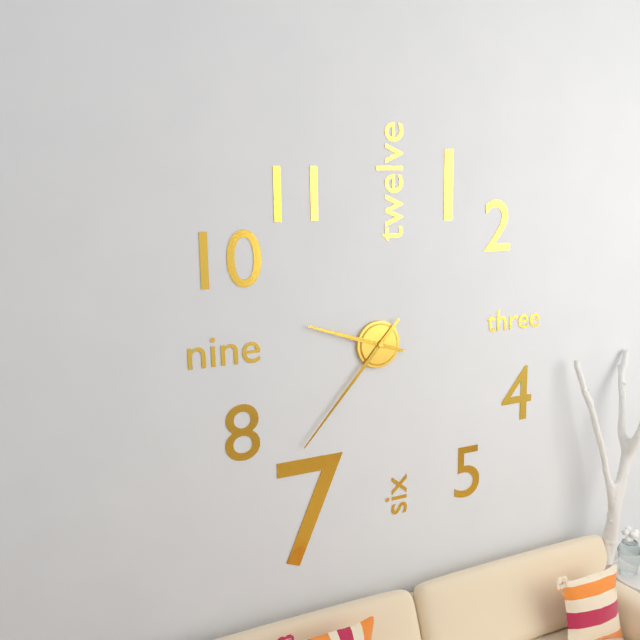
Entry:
h=9 m=37
